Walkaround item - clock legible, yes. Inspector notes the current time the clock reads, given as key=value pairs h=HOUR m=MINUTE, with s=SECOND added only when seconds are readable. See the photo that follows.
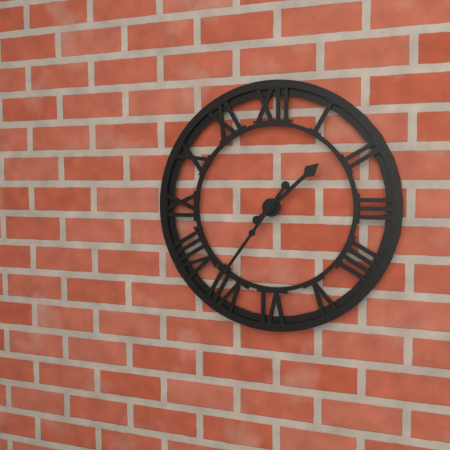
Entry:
h=1 m=36
